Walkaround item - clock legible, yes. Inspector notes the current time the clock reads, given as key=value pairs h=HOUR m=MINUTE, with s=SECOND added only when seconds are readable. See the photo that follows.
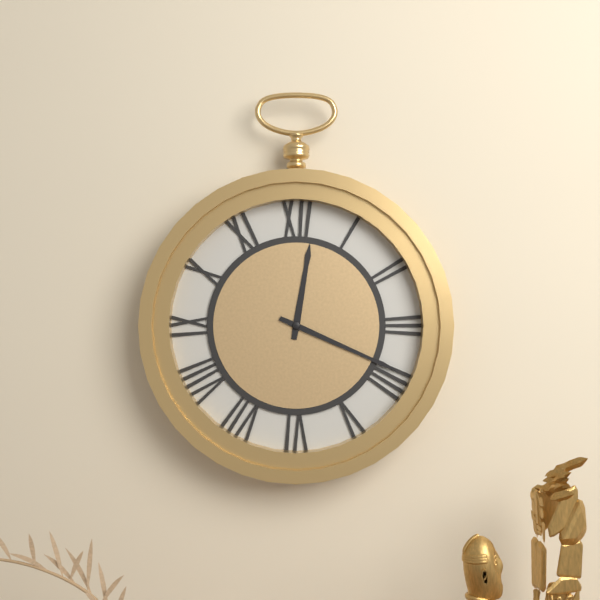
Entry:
h=12 m=19
